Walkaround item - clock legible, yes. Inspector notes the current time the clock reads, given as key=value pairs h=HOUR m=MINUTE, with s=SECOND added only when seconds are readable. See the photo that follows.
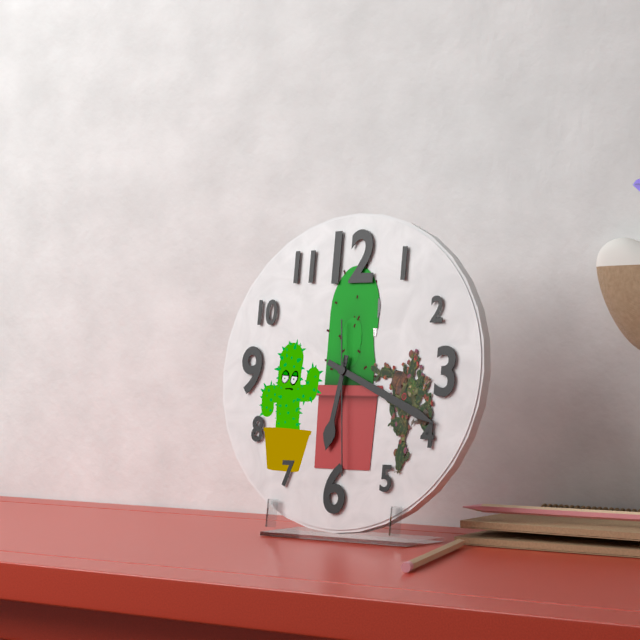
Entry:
h=6 m=19 s=29
